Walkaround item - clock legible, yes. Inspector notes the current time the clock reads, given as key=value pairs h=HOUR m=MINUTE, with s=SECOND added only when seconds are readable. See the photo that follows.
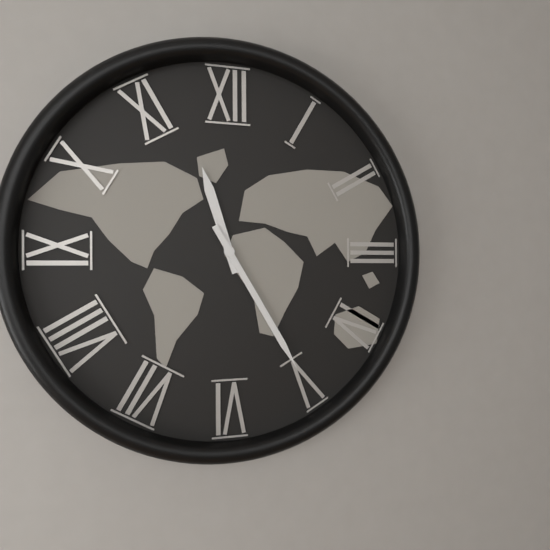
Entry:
h=11 m=25
